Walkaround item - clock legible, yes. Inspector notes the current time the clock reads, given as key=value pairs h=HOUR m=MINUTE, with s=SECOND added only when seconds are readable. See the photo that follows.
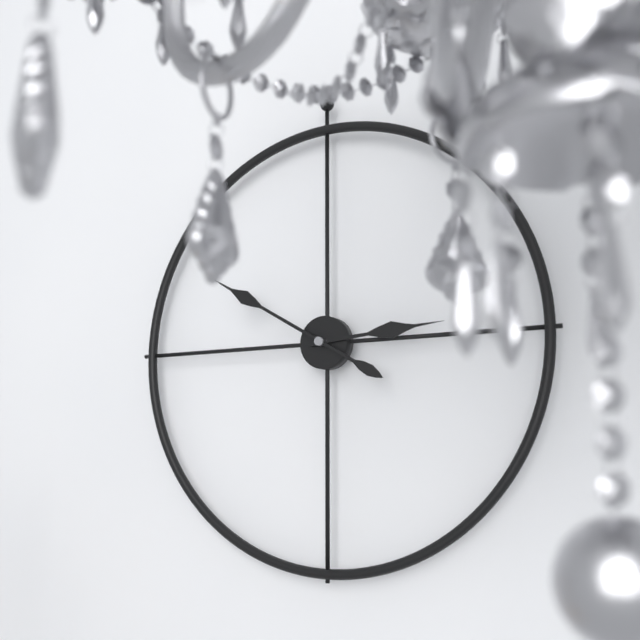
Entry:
h=2 m=50
